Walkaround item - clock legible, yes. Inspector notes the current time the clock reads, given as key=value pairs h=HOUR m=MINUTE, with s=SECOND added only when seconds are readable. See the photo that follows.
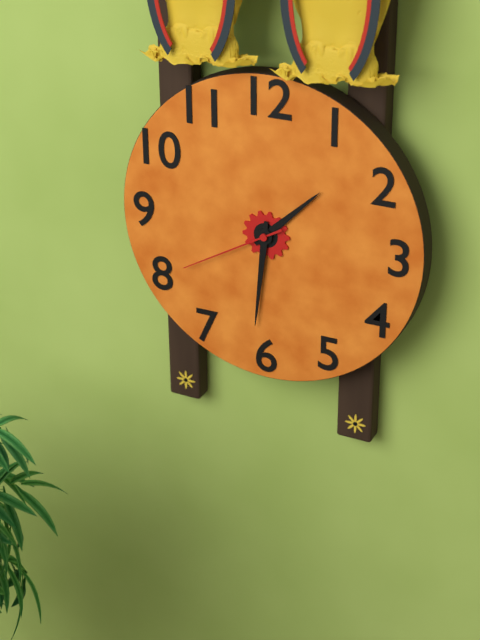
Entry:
h=1 m=31 s=40
